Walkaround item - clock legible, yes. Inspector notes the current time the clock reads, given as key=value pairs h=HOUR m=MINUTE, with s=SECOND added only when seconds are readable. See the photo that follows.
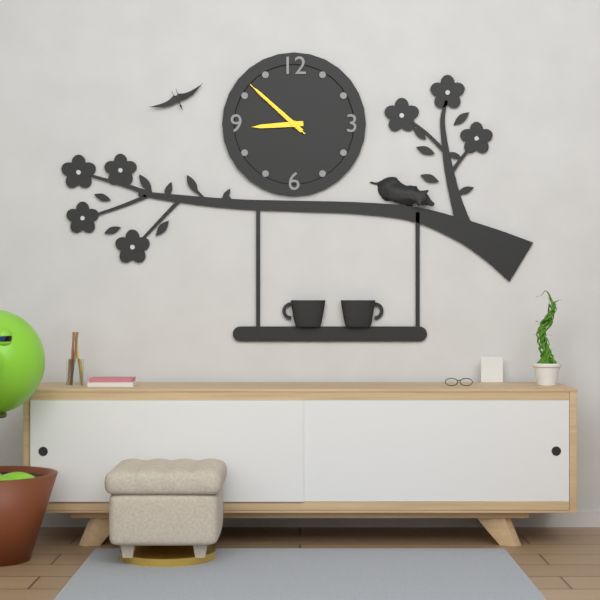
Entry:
h=8 m=52 s=52
